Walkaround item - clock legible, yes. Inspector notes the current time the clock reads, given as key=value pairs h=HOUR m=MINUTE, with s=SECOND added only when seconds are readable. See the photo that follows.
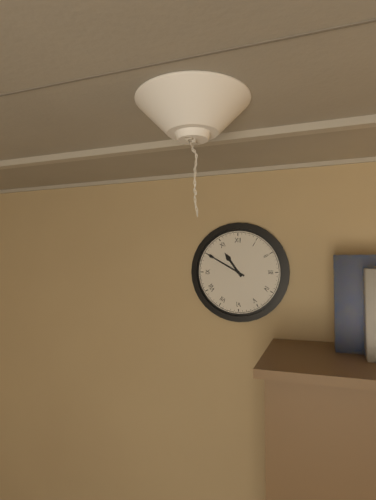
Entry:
h=10 m=50
